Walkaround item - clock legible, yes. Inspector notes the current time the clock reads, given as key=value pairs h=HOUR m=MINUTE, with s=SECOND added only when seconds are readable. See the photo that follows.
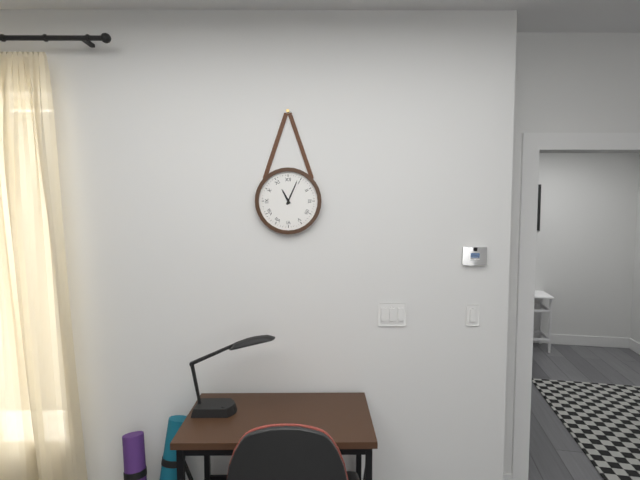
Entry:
h=11 m=4
